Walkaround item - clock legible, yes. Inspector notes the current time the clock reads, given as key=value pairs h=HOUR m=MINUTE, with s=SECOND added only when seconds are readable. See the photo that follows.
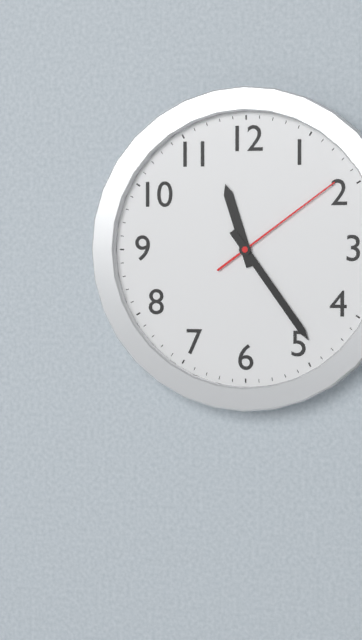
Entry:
h=11 m=24 s=9
